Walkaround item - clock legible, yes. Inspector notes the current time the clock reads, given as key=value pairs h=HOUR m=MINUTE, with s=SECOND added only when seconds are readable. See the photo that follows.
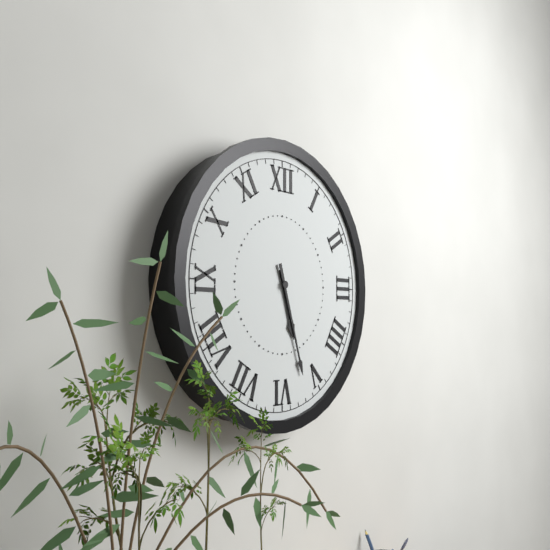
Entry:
h=5 m=27
